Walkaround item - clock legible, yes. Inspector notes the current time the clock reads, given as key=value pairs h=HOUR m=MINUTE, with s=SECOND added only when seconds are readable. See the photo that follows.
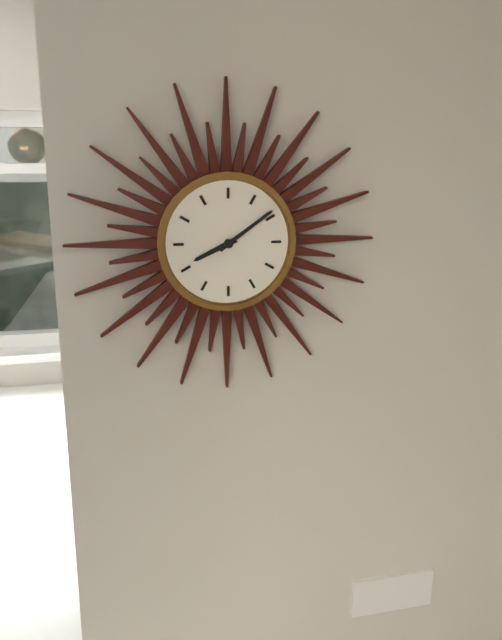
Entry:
h=8 m=9
